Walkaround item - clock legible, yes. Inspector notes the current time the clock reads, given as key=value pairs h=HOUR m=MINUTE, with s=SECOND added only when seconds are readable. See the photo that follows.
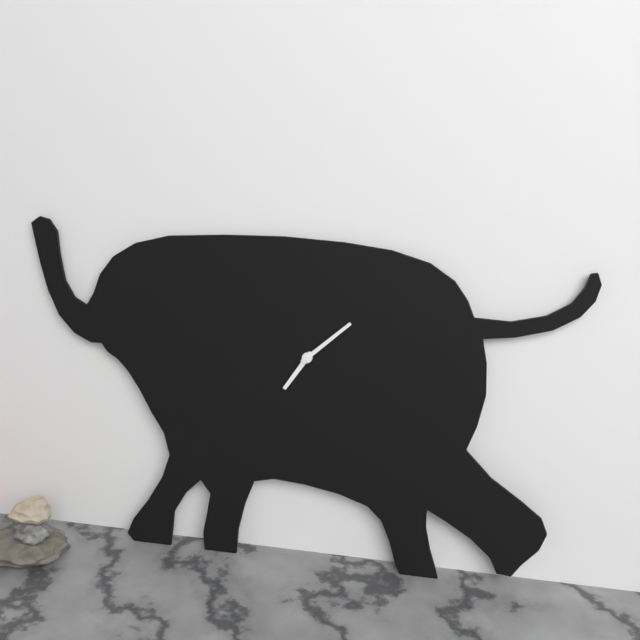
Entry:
h=7 m=8
